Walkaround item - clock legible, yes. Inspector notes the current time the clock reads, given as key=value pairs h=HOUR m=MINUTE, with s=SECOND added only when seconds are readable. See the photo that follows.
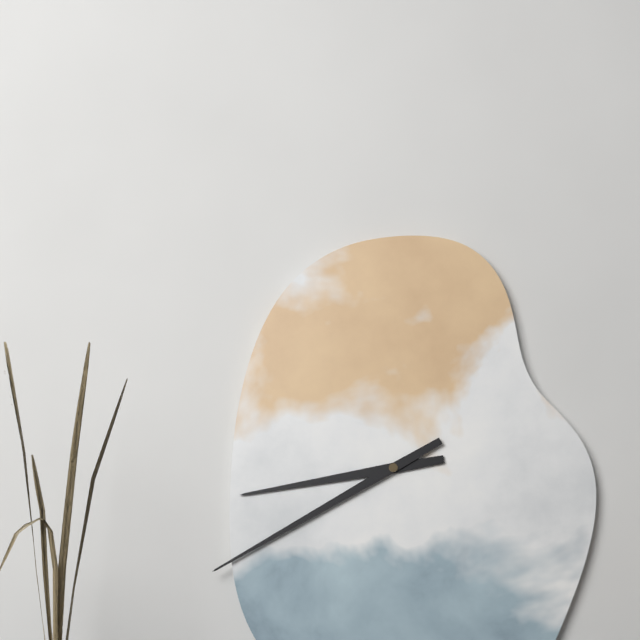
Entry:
h=8 m=40
